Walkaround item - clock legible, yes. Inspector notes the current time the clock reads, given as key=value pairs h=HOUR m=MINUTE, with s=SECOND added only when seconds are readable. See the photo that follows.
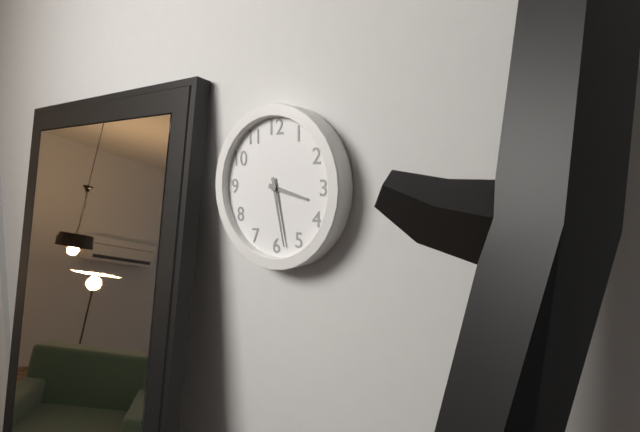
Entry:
h=3 m=28
